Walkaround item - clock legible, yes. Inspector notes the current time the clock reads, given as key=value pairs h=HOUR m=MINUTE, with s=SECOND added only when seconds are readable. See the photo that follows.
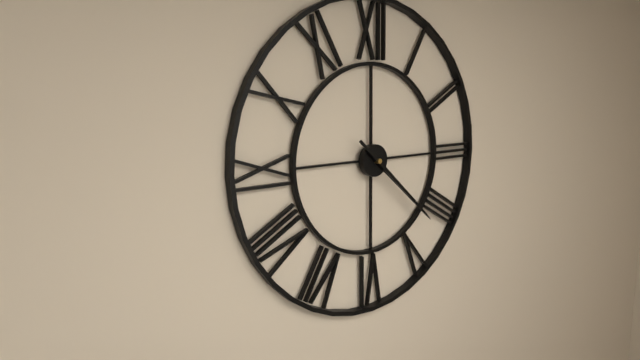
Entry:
h=4 m=22
